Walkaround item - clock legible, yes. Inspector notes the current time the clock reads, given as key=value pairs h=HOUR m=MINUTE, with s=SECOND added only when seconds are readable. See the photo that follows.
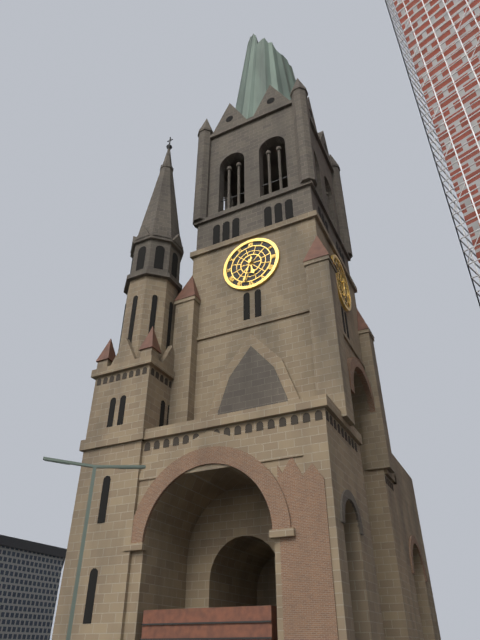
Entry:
h=5 m=33
